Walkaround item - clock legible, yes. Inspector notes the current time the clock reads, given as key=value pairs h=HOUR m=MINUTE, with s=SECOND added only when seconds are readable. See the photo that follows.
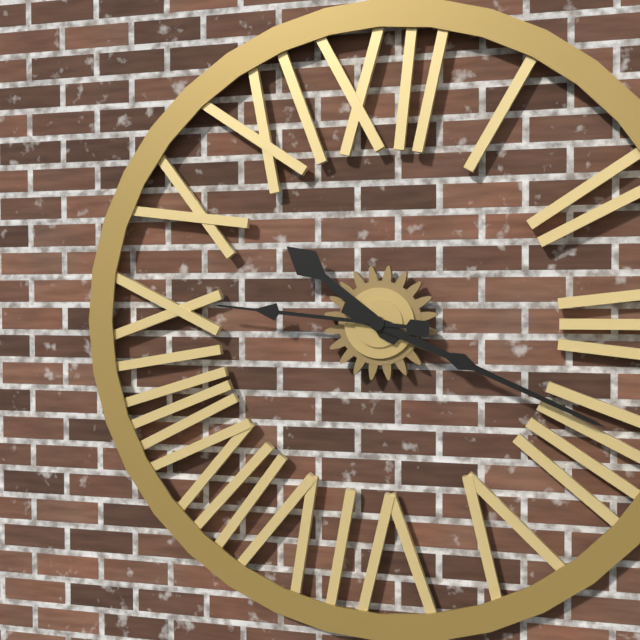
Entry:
h=10 m=19 s=46
